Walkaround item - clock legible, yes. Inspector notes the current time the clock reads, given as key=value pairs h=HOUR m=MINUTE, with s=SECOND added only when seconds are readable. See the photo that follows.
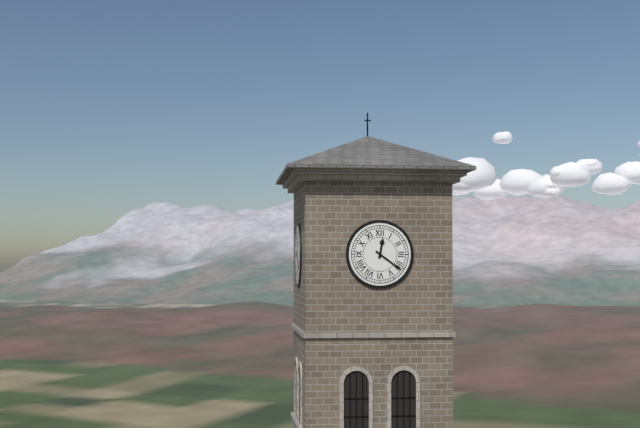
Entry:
h=12 m=21
